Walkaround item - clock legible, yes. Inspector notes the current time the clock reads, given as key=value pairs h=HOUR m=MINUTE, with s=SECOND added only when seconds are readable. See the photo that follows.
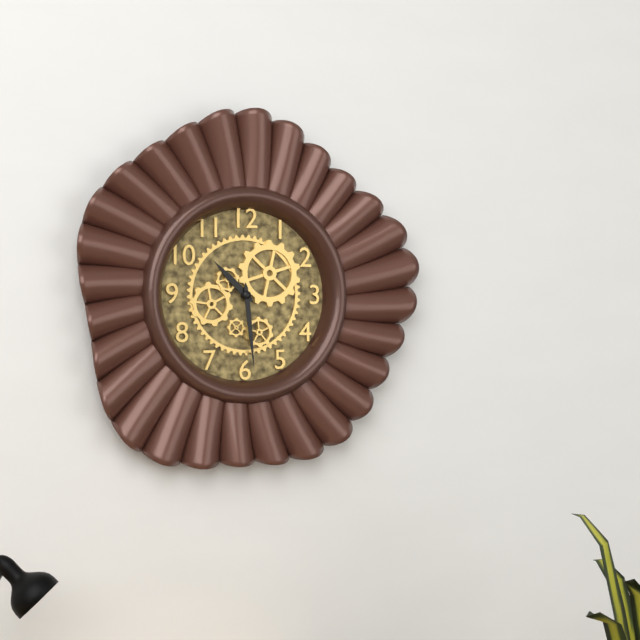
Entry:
h=10 m=29
